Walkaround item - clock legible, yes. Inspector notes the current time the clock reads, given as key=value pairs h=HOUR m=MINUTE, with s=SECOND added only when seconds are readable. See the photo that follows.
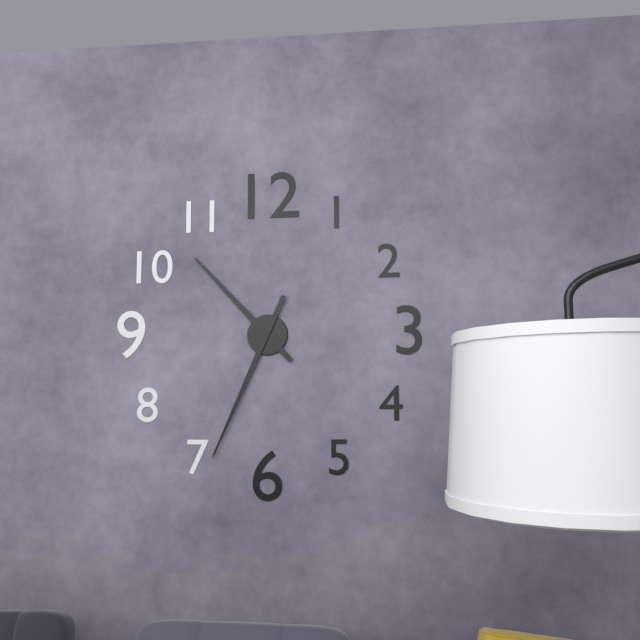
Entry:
h=10 m=34
